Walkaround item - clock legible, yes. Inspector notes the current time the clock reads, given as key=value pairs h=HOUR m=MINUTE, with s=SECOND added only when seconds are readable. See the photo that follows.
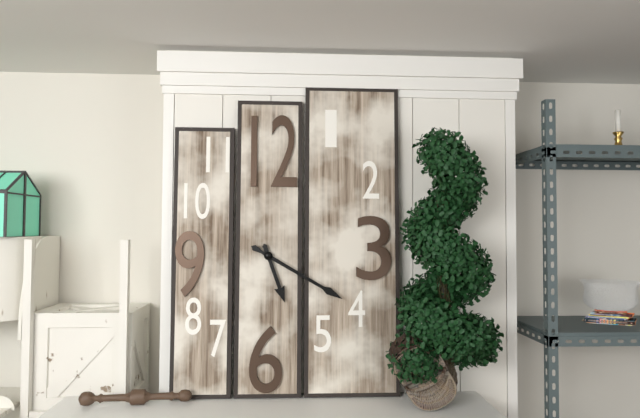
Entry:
h=5 m=20
